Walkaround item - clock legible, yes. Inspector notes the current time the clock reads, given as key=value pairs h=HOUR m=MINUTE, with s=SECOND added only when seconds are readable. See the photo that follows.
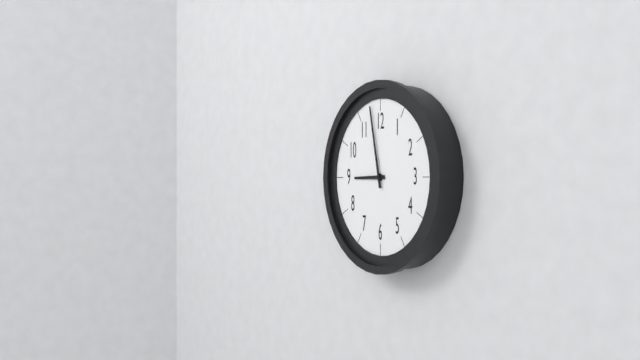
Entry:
h=8 m=58
